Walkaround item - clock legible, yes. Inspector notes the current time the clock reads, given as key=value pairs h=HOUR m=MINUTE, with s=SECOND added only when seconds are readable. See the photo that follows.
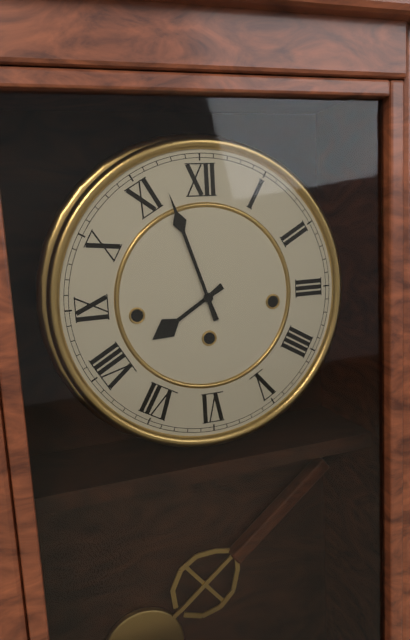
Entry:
h=7 m=57
